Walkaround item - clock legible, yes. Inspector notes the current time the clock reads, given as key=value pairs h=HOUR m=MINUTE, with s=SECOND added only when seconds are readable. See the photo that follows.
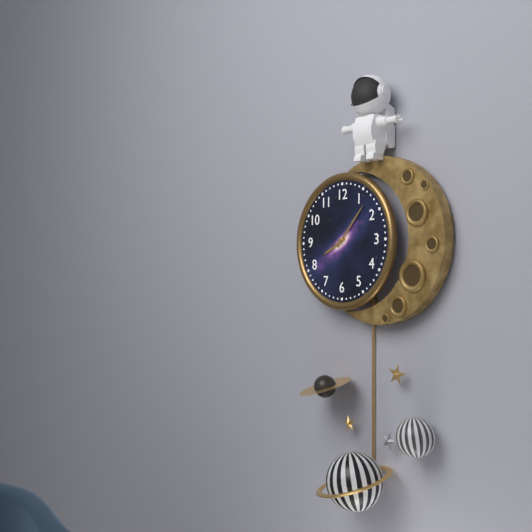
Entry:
h=8 m=7
